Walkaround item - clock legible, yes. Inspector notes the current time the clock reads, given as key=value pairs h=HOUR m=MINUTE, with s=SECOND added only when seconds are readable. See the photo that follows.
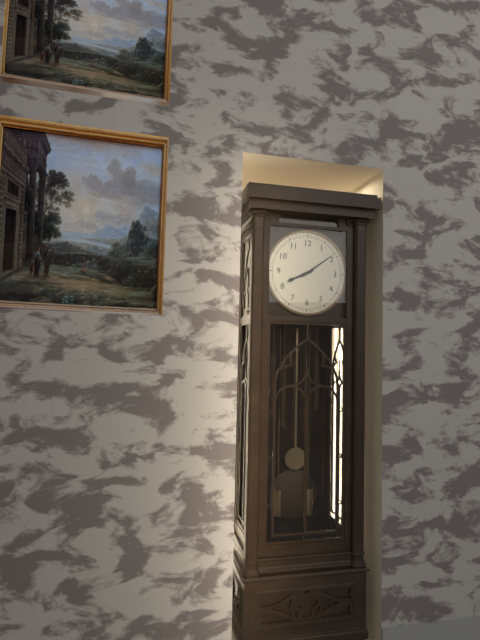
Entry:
h=8 m=9
